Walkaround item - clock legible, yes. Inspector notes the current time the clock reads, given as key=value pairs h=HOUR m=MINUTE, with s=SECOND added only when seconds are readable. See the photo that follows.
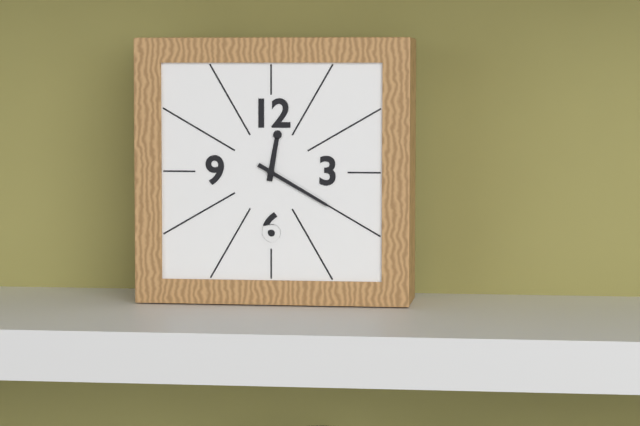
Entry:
h=12 m=20
